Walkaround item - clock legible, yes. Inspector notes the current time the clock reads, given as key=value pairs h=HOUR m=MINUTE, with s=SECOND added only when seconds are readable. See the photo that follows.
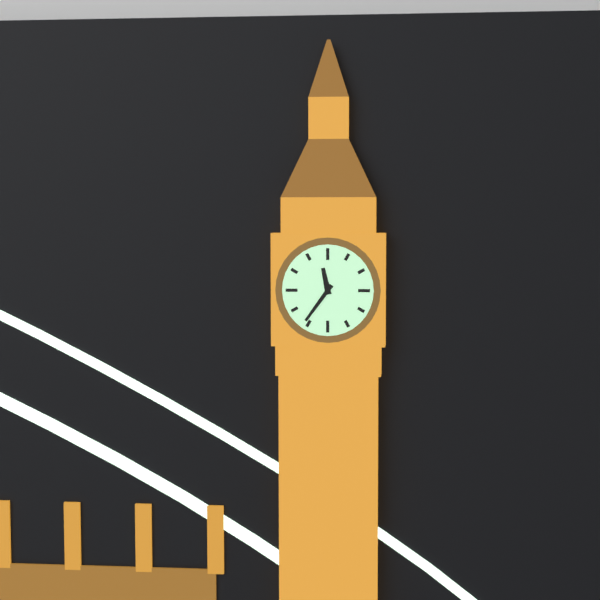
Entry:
h=11 m=36
